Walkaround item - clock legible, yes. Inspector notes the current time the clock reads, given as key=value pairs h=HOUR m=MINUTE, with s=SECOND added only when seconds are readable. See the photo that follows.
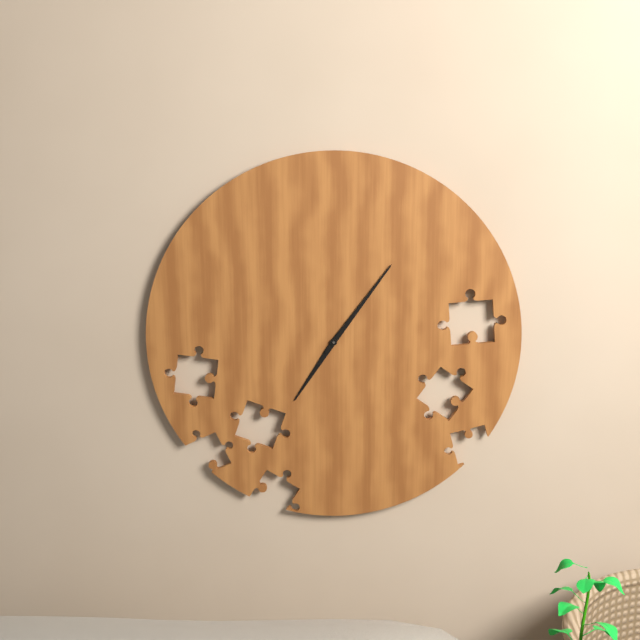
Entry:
h=7 m=6
